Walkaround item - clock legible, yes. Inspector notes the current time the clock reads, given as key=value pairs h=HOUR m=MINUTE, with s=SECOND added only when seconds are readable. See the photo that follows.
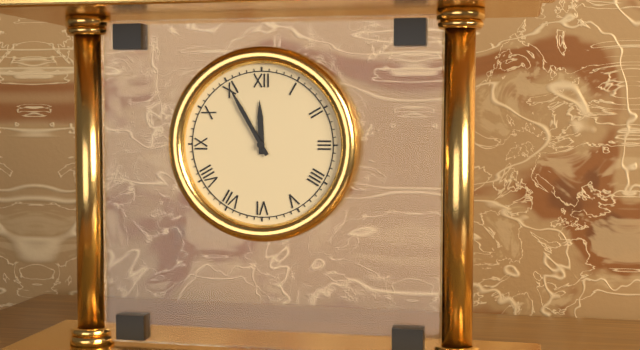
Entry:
h=11 m=55
